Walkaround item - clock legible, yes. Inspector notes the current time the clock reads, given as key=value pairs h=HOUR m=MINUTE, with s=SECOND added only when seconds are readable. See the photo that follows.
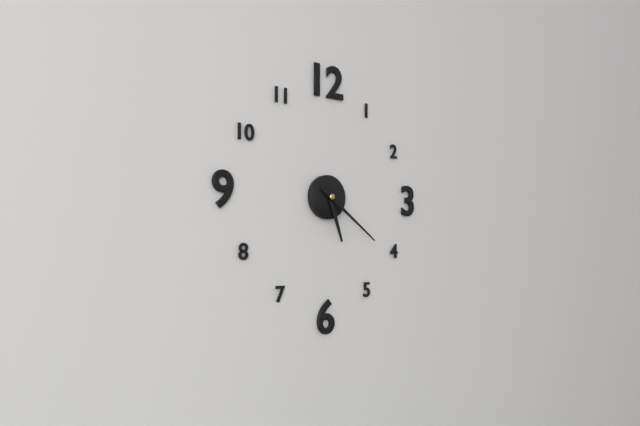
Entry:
h=5 m=21
